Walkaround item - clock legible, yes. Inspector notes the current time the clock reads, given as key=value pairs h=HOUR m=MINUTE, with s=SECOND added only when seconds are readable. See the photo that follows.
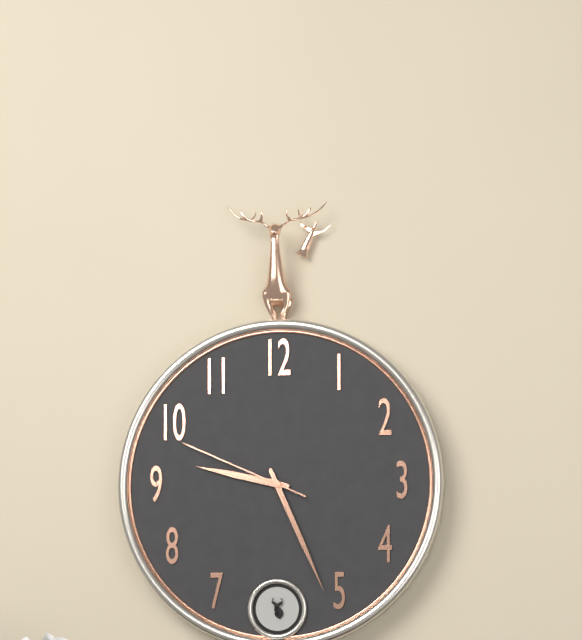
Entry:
h=9 m=26 s=49
